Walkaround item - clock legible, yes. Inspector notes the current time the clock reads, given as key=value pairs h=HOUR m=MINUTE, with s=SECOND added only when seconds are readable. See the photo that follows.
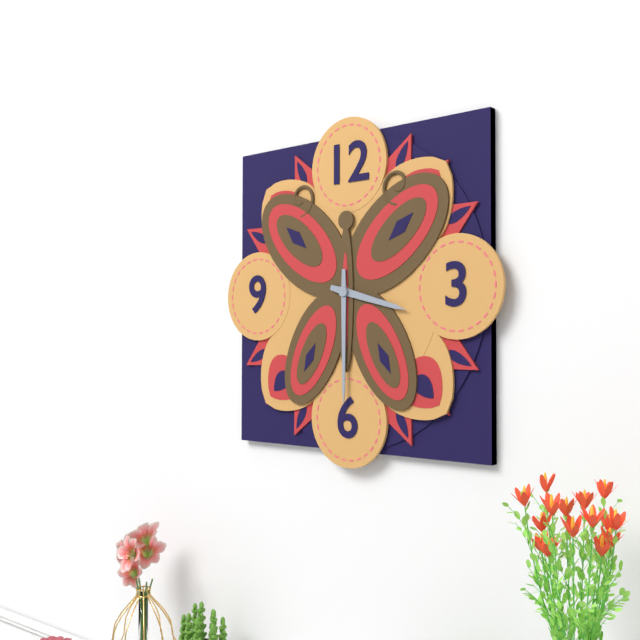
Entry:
h=3 m=30
